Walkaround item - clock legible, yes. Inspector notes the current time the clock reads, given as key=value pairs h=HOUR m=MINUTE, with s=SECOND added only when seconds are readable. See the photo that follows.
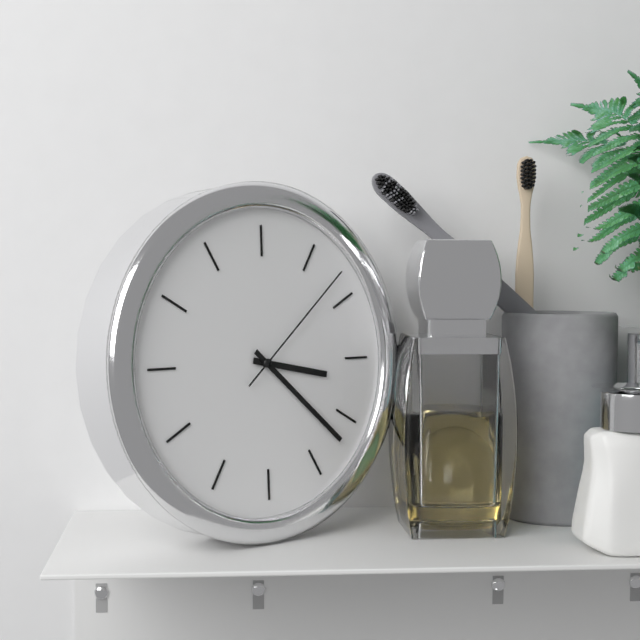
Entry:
h=3 m=22 s=8
